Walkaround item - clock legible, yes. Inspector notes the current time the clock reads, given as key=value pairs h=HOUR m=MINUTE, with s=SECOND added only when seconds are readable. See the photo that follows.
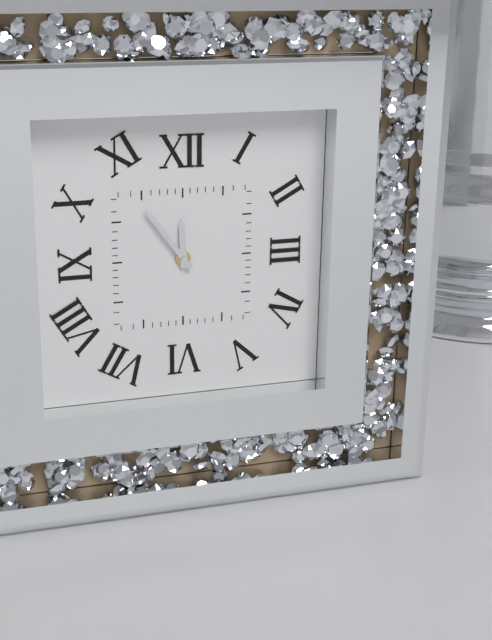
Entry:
h=11 m=54
